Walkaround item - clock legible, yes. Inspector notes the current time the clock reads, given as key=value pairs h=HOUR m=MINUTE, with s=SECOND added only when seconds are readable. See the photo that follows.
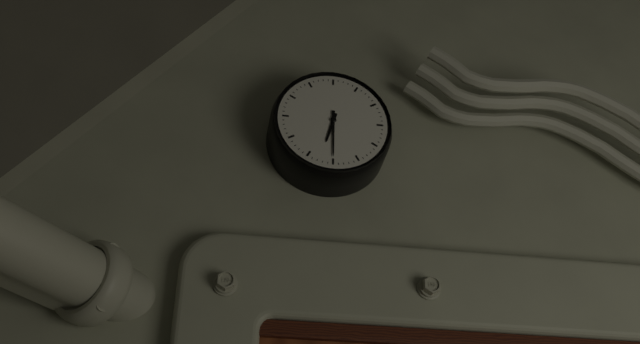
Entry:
h=6 m=30
